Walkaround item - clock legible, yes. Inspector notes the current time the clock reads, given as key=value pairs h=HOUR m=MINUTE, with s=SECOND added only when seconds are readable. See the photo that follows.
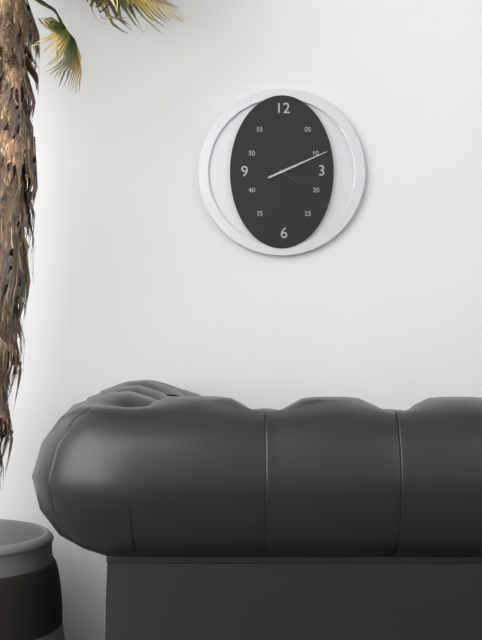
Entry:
h=4 m=11
